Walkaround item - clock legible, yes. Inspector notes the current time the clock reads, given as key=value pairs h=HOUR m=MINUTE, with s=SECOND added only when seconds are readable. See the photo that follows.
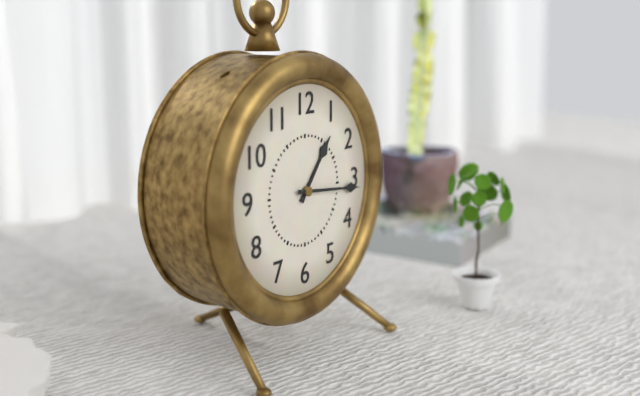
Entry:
h=1 m=16
